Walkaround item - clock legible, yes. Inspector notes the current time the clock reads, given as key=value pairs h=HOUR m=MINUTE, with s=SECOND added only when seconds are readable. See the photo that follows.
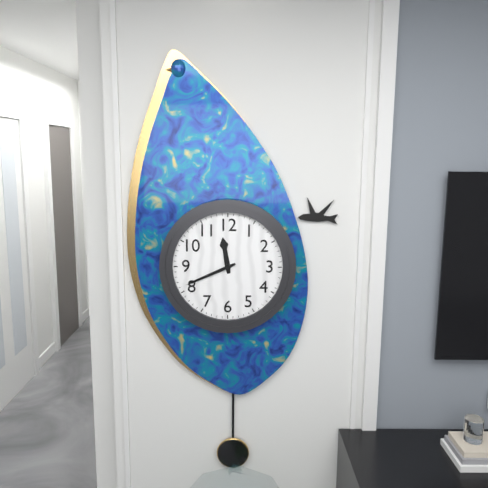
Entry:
h=11 m=41
